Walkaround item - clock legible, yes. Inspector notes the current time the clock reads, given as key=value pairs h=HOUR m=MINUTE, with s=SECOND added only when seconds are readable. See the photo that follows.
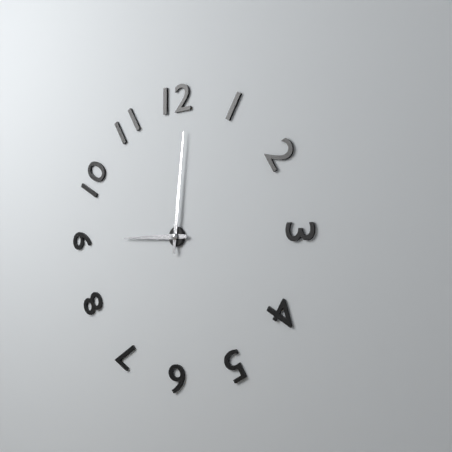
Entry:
h=9 m=1
